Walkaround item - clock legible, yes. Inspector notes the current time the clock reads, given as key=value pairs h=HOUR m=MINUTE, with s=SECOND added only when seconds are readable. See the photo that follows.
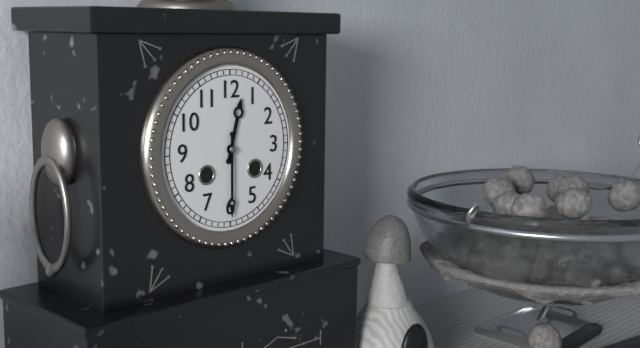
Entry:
h=12 m=30
